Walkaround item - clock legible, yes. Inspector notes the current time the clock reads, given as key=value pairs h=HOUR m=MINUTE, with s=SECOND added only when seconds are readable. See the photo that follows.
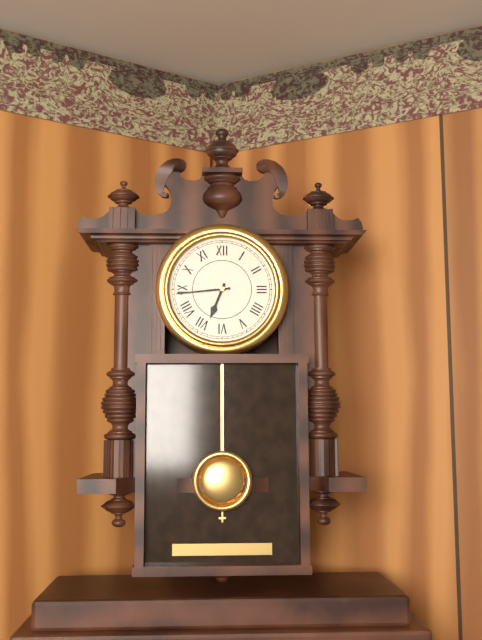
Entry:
h=6 m=44
